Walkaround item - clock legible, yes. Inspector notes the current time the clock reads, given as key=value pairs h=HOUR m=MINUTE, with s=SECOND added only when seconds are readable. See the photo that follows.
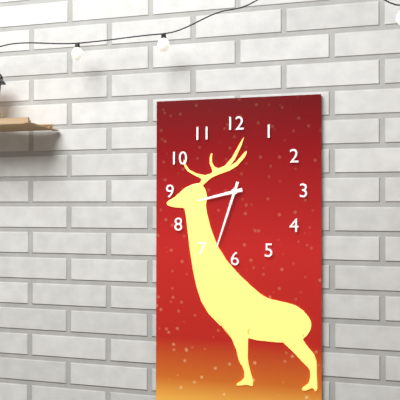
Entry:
h=8 m=33
